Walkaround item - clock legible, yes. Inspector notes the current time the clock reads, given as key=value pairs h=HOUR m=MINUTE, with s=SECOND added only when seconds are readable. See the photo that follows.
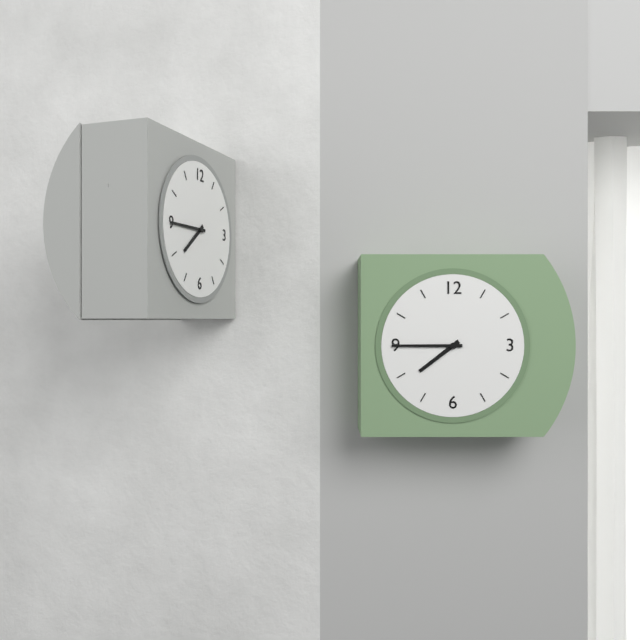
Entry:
h=7 m=45
